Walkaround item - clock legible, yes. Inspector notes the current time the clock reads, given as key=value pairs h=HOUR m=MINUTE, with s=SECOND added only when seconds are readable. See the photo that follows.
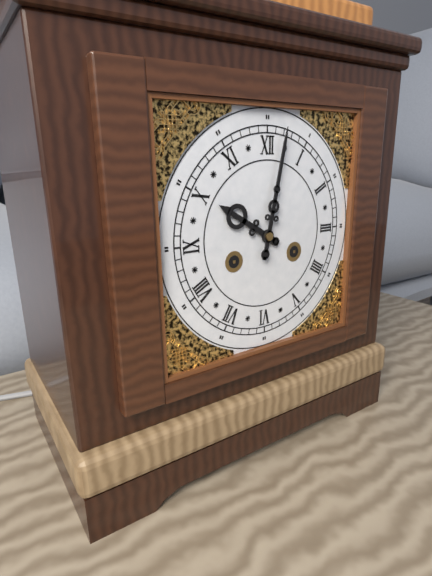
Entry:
h=10 m=2
